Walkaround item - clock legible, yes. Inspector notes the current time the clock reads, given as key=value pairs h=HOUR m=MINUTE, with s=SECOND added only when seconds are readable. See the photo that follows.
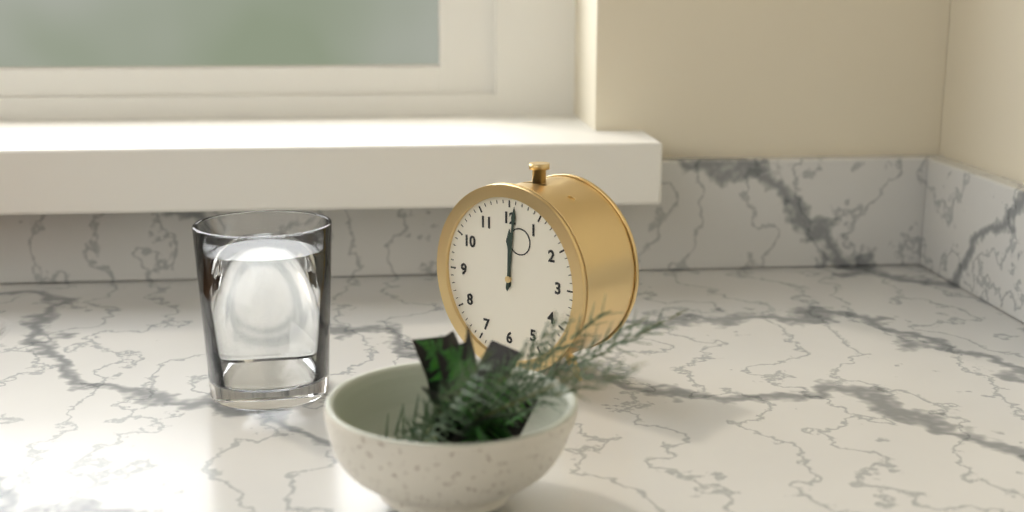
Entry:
h=12 m=1
